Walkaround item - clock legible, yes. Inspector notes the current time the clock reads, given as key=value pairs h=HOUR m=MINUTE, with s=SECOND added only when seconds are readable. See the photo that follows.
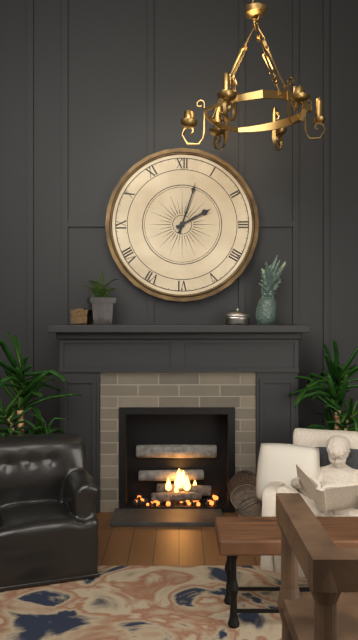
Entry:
h=2 m=3
